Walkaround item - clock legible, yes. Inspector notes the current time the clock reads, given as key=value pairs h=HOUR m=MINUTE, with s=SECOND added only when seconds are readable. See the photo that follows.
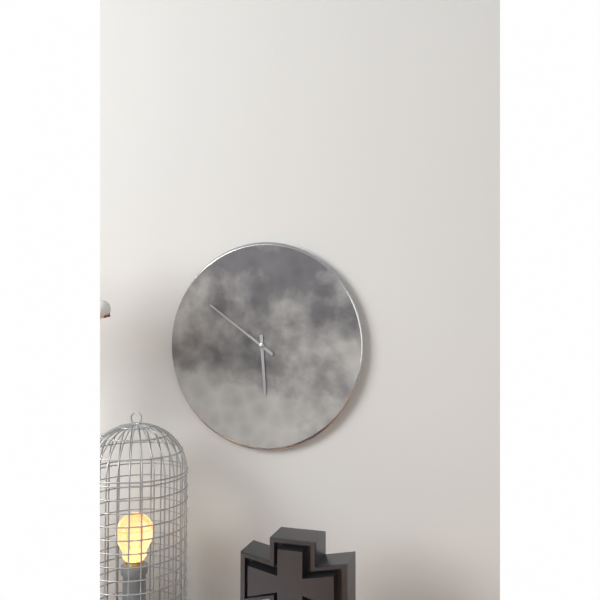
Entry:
h=5 m=51
